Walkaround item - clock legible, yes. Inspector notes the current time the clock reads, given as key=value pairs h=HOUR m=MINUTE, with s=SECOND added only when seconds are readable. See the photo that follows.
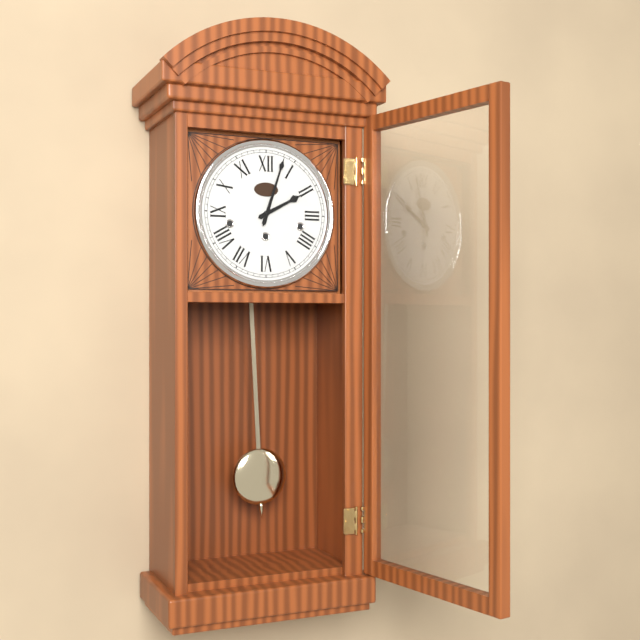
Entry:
h=2 m=3
